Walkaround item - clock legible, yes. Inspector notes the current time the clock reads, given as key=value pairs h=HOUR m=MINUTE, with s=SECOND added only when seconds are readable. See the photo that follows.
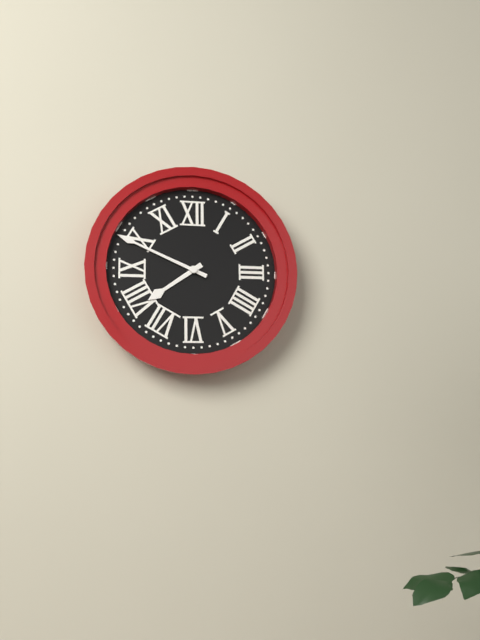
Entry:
h=7 m=49
